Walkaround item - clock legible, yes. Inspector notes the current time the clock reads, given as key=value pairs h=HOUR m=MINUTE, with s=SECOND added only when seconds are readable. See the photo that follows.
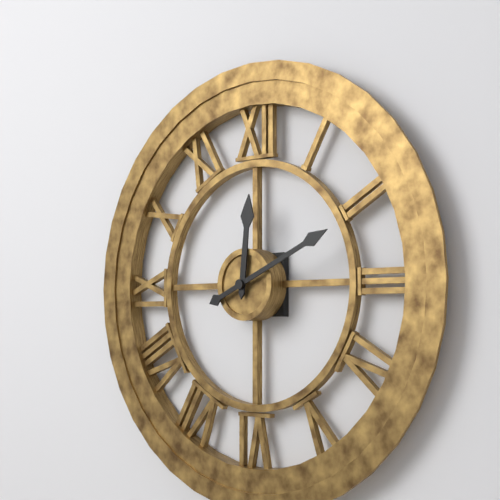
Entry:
h=12 m=11
